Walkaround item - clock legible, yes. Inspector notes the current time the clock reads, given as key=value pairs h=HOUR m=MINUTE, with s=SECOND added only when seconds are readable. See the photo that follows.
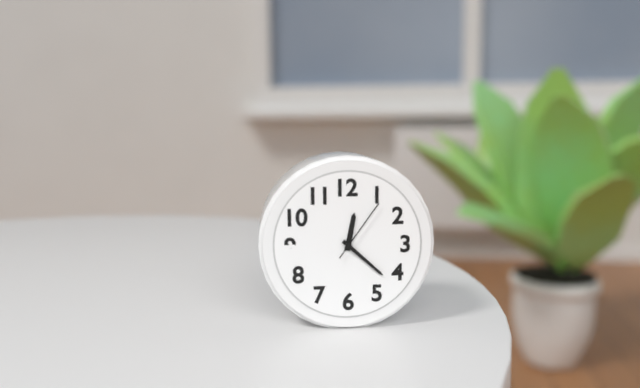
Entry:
h=12 m=22 s=6
